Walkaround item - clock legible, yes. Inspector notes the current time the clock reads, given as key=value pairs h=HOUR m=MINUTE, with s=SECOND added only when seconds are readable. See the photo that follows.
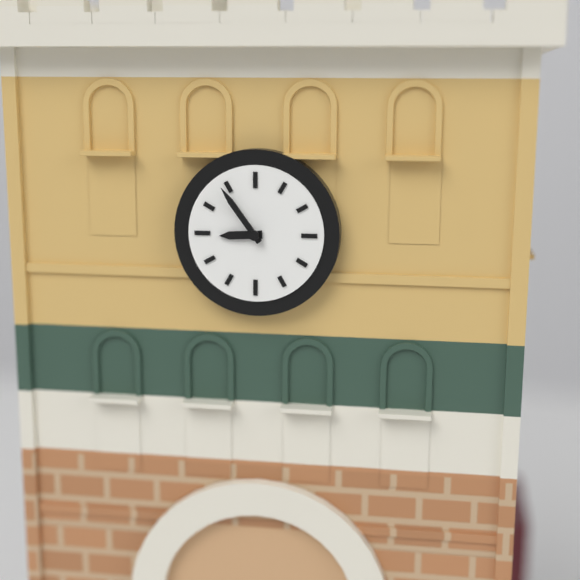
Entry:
h=8 m=54
